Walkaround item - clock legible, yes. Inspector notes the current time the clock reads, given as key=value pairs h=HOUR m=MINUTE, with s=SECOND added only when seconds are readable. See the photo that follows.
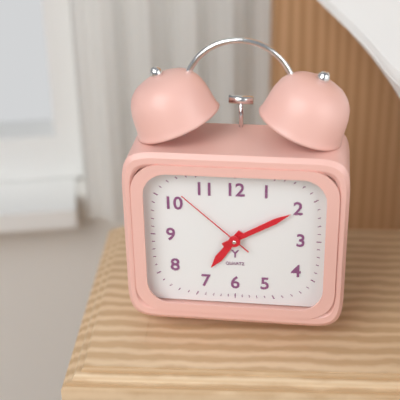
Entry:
h=7 m=10 s=52
